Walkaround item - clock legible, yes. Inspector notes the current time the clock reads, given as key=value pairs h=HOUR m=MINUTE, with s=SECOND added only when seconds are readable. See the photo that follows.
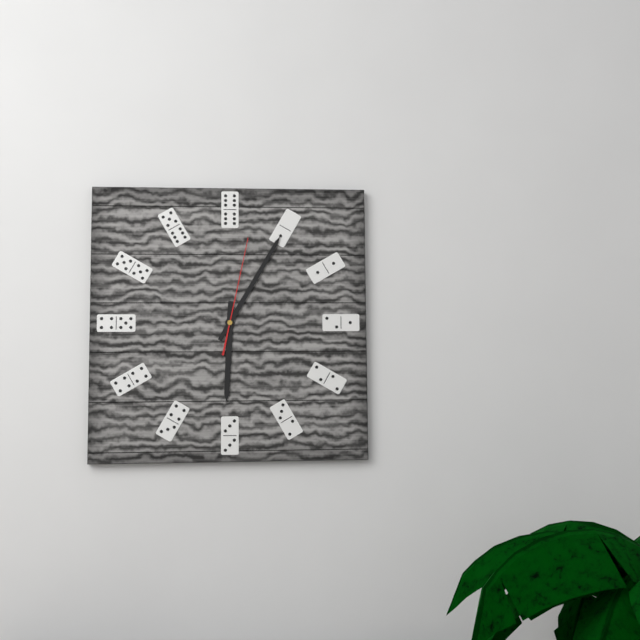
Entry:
h=6 m=5 s=2
